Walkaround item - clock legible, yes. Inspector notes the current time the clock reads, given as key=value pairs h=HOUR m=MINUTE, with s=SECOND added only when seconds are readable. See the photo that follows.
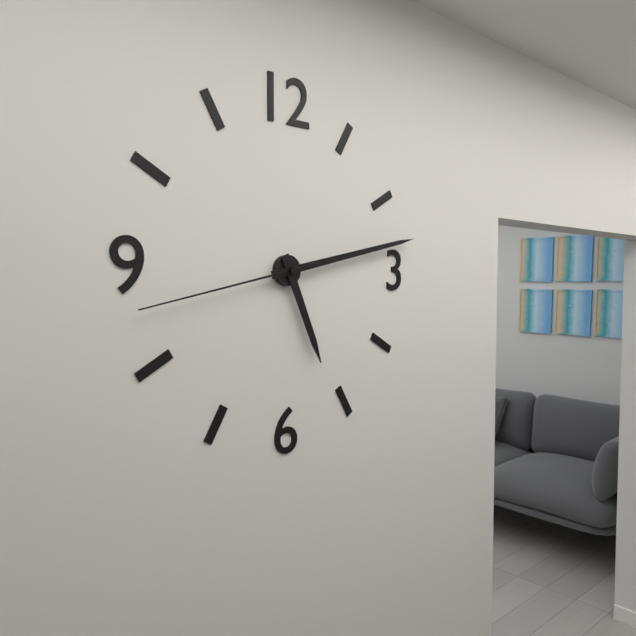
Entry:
h=5 m=13 s=43
